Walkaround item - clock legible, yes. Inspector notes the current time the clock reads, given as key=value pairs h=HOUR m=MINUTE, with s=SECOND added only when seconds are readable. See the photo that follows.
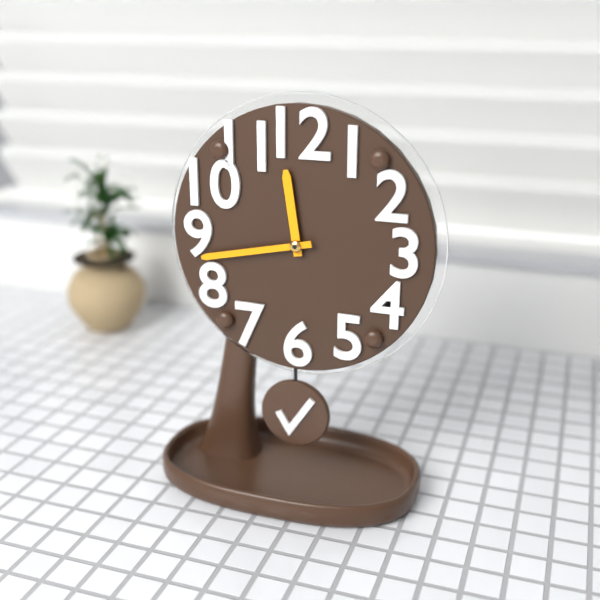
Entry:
h=11 m=43
